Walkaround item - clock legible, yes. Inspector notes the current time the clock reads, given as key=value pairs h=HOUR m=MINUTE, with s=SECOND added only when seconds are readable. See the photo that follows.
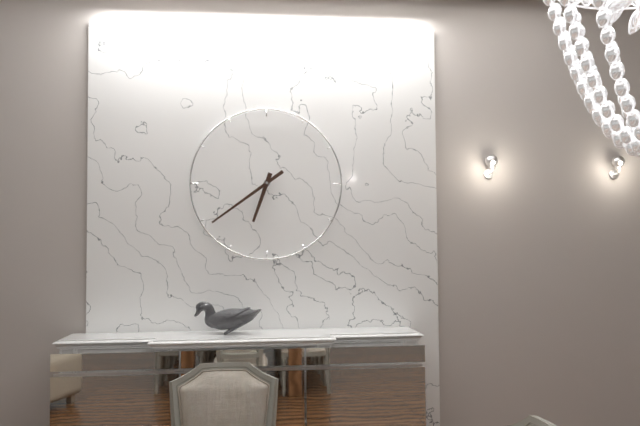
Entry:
h=6 m=39
